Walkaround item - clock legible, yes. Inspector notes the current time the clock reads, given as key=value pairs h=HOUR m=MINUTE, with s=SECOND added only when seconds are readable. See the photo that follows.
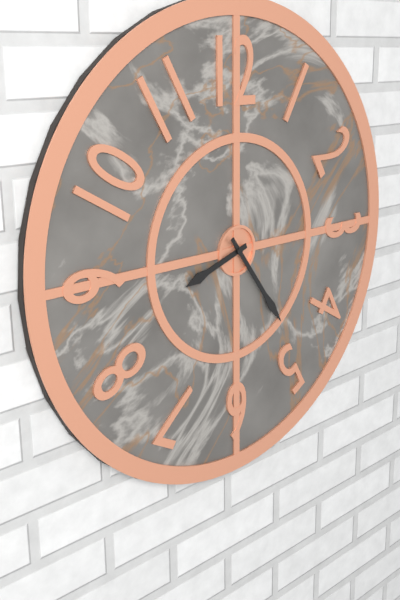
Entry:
h=8 m=24
